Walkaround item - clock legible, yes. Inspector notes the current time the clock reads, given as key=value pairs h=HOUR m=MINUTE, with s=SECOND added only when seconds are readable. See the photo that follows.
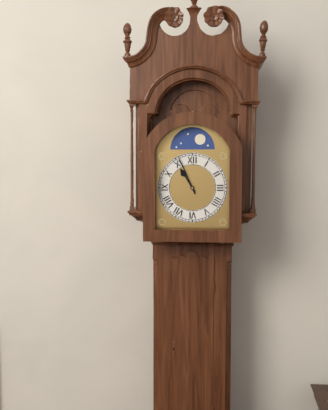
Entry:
h=10 m=56
